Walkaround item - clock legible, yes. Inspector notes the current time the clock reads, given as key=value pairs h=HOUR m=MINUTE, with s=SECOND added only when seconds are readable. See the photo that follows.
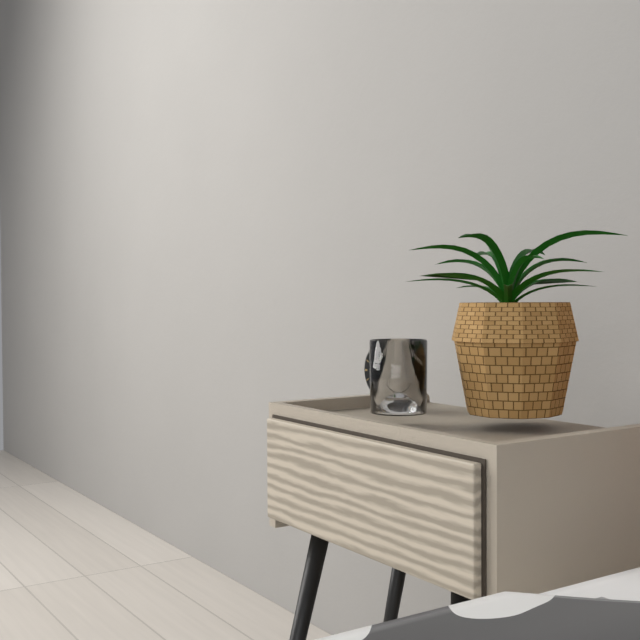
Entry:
h=3 m=34
